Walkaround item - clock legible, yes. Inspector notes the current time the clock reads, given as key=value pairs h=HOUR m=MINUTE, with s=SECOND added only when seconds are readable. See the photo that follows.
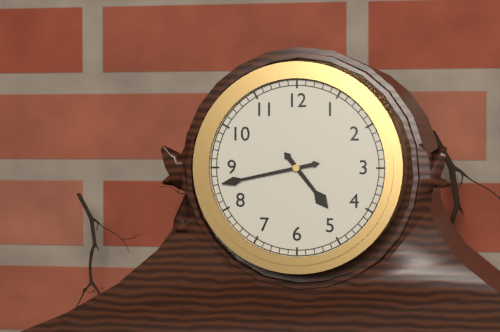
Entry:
h=4 m=43
